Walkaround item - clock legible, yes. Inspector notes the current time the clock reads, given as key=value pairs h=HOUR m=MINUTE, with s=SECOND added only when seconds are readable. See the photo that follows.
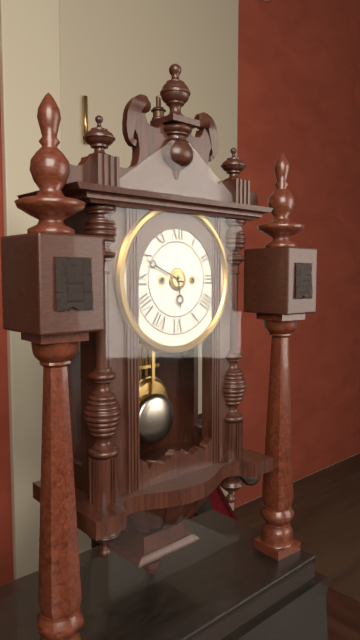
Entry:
h=5 m=49
